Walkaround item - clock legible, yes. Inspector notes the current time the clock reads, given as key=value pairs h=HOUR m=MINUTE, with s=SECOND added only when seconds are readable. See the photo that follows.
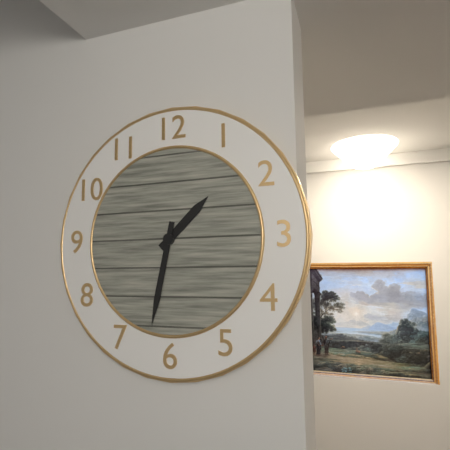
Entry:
h=1 m=32
